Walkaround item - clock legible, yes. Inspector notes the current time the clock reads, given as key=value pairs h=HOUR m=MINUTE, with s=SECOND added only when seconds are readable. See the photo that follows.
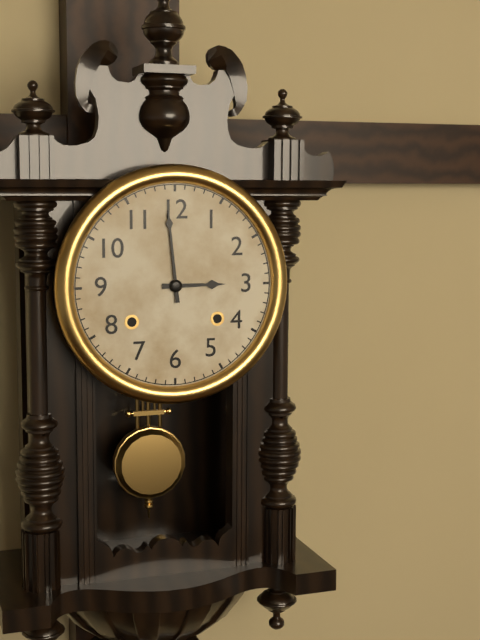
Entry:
h=2 m=59
